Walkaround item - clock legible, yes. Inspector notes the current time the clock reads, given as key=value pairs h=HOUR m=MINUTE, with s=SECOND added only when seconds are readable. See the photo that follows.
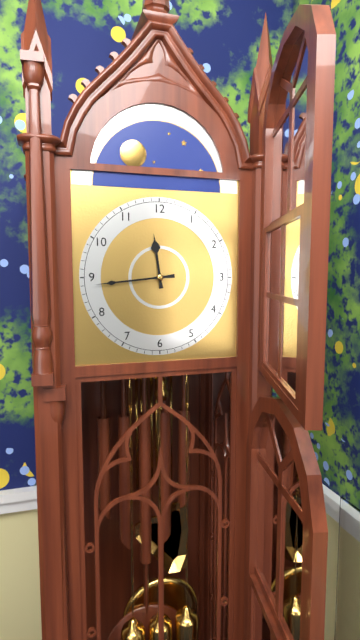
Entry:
h=11 m=44
